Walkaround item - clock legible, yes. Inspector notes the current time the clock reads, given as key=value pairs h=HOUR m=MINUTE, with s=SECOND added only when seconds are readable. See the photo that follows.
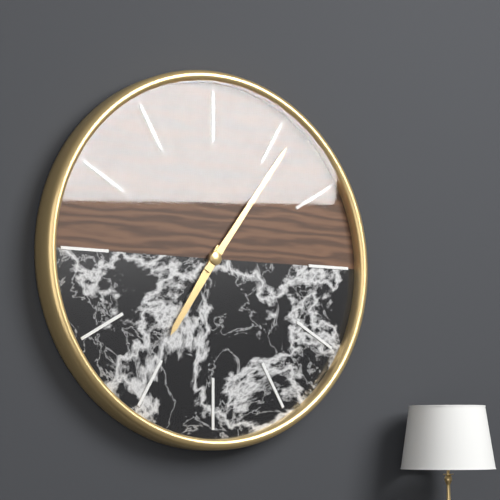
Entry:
h=7 m=6
